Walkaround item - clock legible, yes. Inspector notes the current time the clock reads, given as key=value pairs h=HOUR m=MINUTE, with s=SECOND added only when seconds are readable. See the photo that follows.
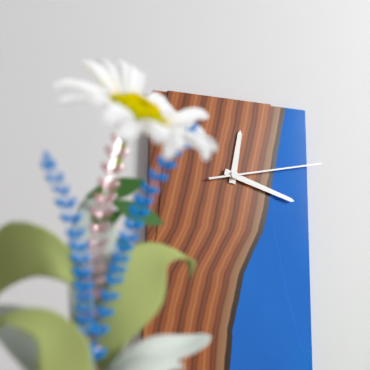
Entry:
h=12 m=18 s=13
